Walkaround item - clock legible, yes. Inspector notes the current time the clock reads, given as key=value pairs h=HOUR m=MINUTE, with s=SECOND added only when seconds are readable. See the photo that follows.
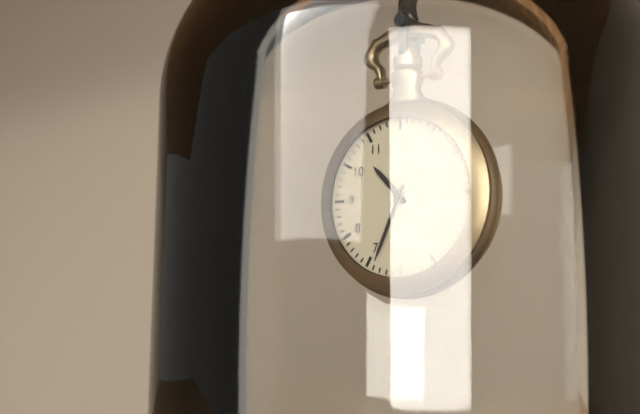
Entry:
h=10 m=34
